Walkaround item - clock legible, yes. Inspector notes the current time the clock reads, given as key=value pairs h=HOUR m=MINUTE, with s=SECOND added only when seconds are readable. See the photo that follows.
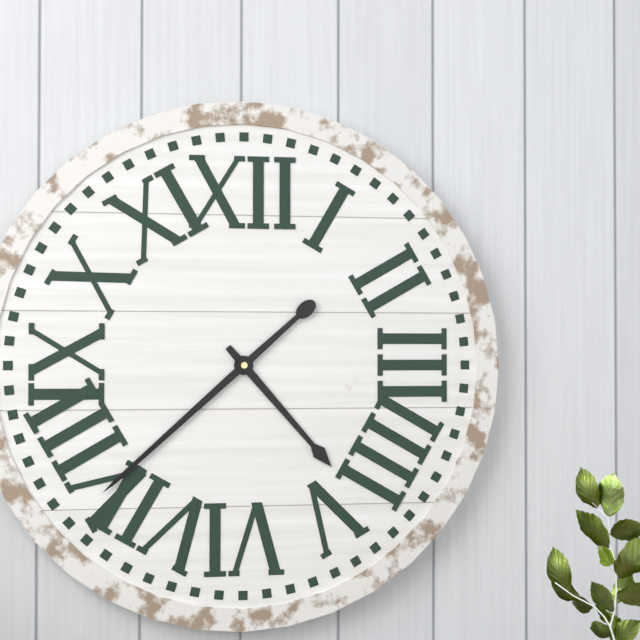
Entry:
h=4 m=38
